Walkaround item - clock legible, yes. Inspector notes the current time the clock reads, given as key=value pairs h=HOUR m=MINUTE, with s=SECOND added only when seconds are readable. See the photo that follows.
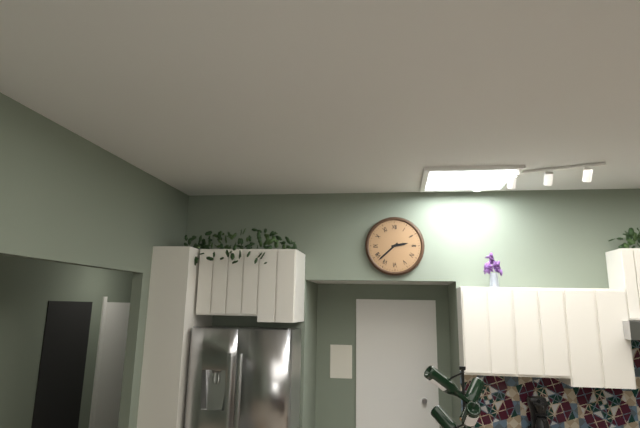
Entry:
h=2 m=38
